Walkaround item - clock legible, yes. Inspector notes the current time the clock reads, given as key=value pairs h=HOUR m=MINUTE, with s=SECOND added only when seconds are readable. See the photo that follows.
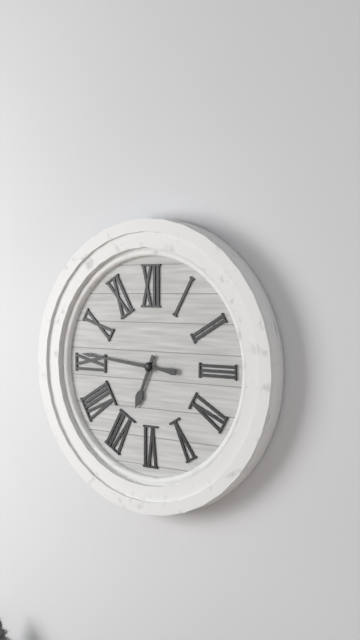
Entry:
h=6 m=46
